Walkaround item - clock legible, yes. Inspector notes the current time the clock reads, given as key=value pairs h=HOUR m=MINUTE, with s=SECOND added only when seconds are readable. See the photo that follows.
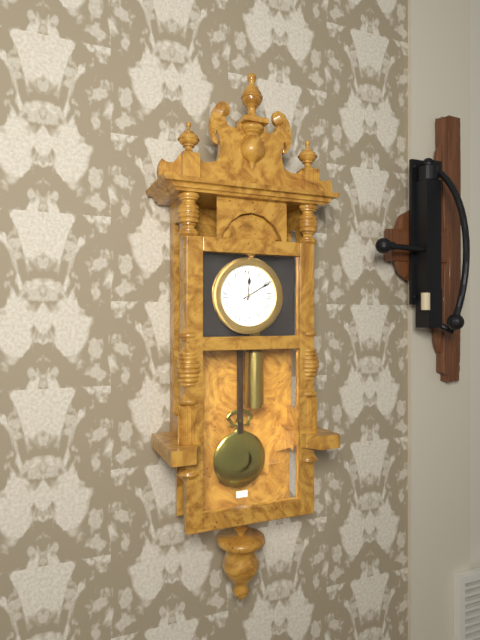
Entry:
h=12 m=10
